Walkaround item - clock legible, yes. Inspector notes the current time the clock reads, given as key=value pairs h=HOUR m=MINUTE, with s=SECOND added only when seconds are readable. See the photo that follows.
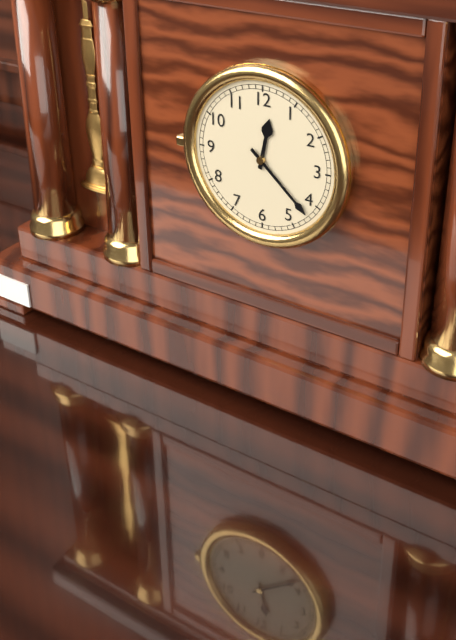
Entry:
h=12 m=22
